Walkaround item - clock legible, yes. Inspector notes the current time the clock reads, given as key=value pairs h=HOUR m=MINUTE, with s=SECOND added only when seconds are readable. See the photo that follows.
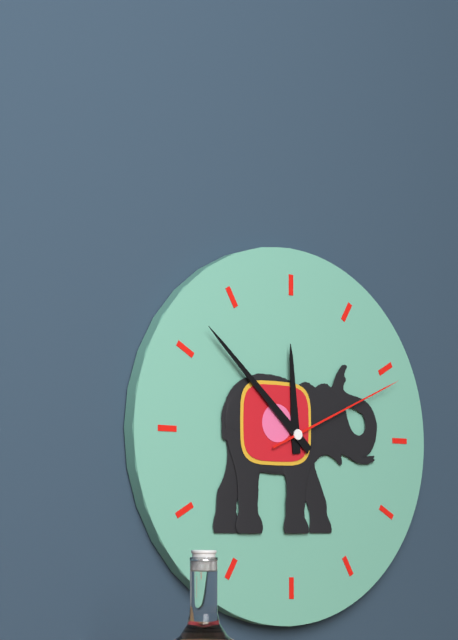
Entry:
h=11 m=52 s=11
